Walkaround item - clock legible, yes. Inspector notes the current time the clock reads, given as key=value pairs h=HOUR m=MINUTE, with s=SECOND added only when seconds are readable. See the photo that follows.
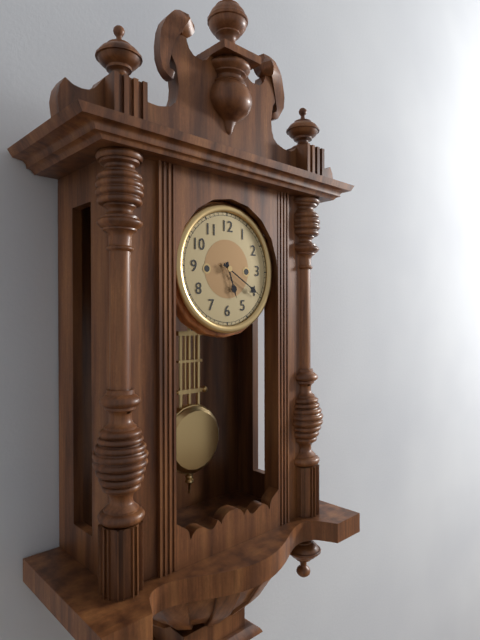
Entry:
h=5 m=20
